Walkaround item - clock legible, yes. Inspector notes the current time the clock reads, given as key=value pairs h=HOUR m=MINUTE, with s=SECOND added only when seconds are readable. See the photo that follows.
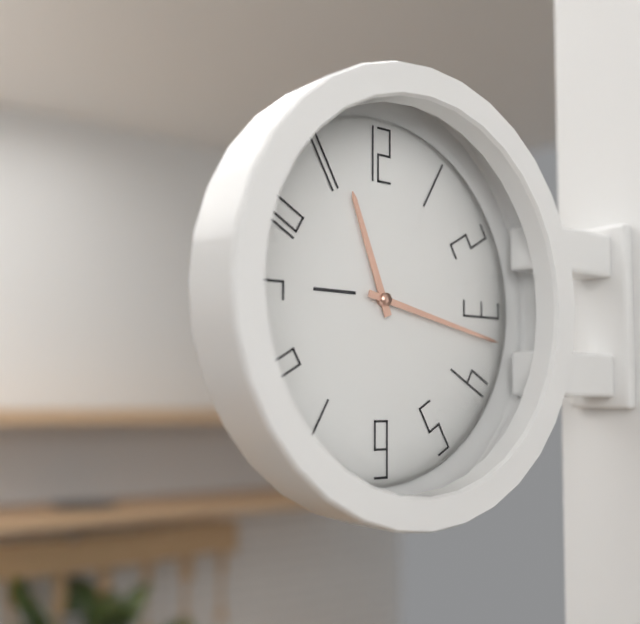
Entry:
h=11 m=17
